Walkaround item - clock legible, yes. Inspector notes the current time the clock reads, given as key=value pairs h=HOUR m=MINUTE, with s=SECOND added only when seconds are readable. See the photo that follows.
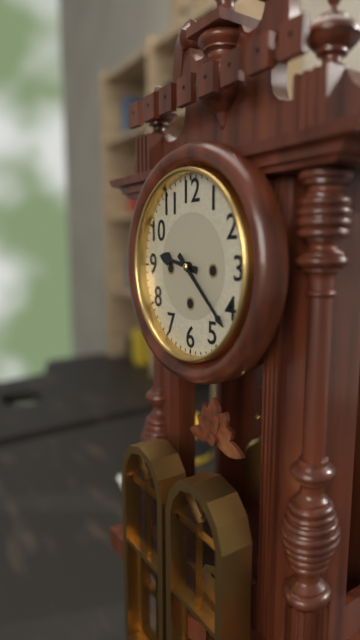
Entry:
h=9 m=22
